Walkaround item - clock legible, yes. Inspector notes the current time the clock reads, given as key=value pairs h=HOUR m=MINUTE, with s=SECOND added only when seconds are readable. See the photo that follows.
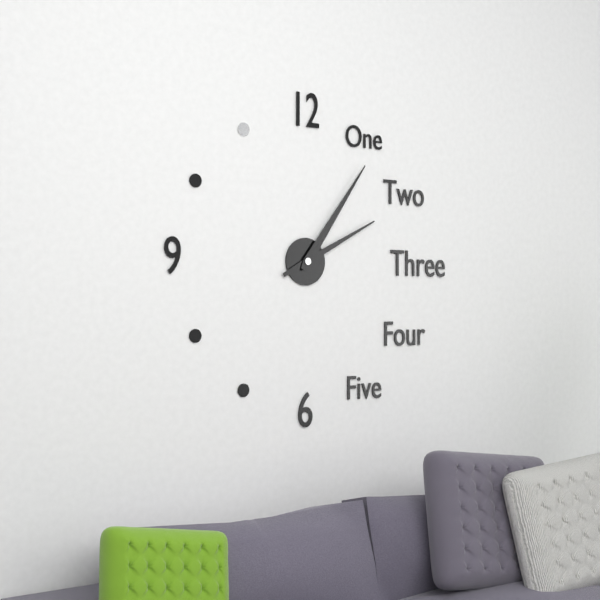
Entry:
h=2 m=6
